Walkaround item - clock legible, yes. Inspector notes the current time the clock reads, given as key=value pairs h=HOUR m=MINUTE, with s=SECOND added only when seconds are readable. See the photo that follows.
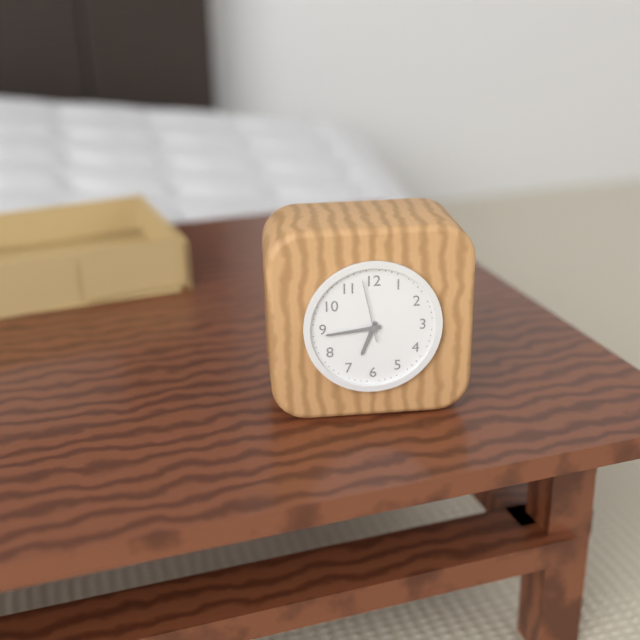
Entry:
h=6 m=44 s=58
